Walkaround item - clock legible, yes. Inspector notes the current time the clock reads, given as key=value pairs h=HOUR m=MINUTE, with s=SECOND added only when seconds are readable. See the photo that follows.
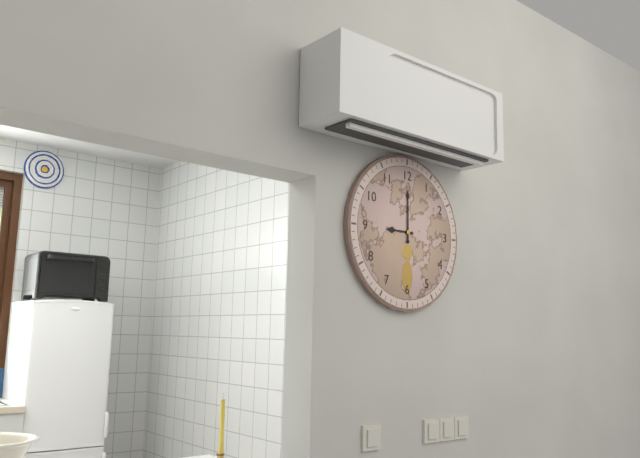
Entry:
h=9 m=0
